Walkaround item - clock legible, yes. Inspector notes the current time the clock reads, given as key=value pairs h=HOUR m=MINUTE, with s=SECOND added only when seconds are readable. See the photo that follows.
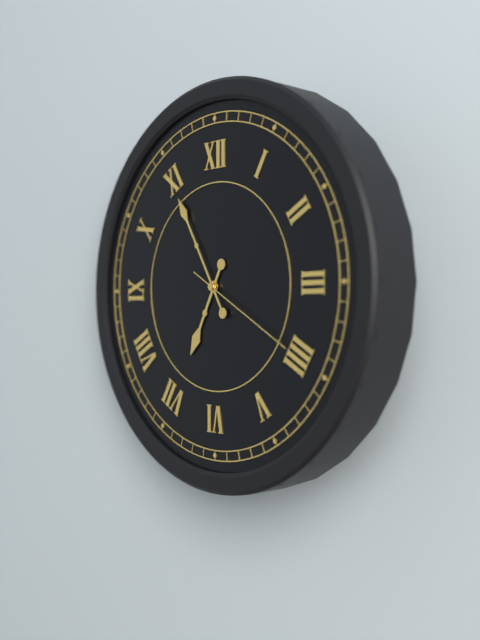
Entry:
h=6 m=55 s=20
